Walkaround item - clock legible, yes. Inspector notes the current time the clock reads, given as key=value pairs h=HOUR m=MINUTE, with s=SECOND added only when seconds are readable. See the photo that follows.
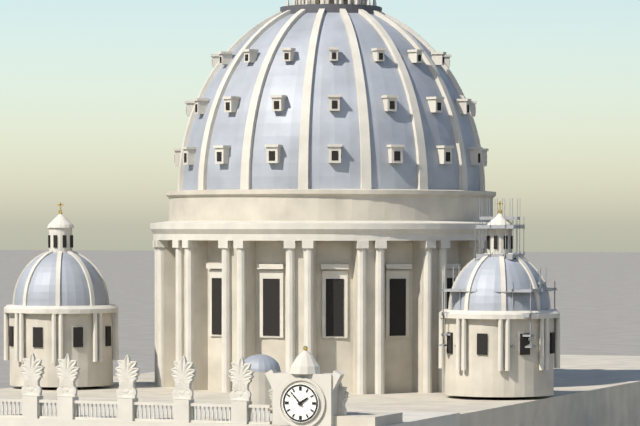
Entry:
h=1 m=53
